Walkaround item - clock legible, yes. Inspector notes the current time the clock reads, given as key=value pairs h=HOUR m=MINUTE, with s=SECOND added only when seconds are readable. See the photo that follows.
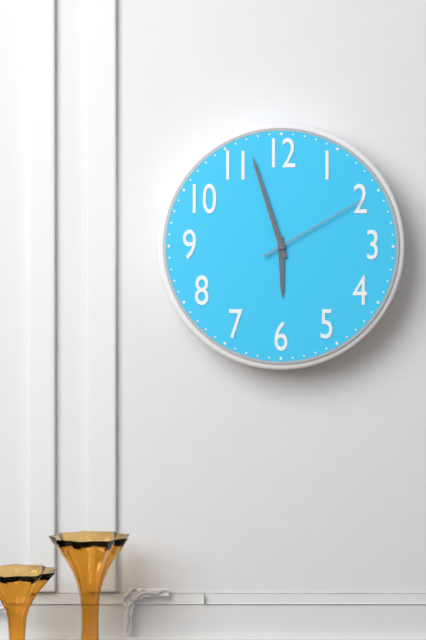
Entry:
h=5 m=57 s=10
